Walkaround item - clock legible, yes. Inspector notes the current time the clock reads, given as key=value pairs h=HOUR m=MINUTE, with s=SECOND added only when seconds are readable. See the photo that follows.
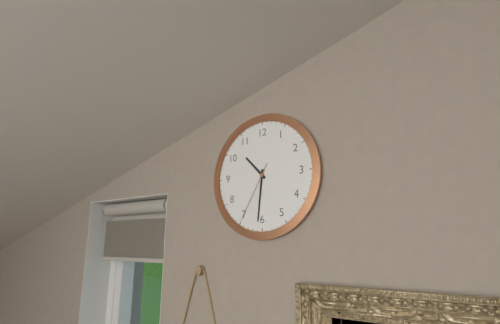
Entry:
h=10 m=31 s=35
